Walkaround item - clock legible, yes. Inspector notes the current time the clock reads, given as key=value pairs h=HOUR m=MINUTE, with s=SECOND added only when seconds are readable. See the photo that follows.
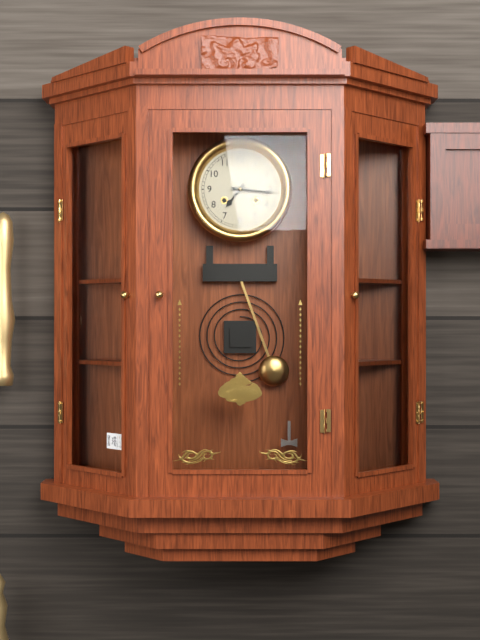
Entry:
h=7 m=16
